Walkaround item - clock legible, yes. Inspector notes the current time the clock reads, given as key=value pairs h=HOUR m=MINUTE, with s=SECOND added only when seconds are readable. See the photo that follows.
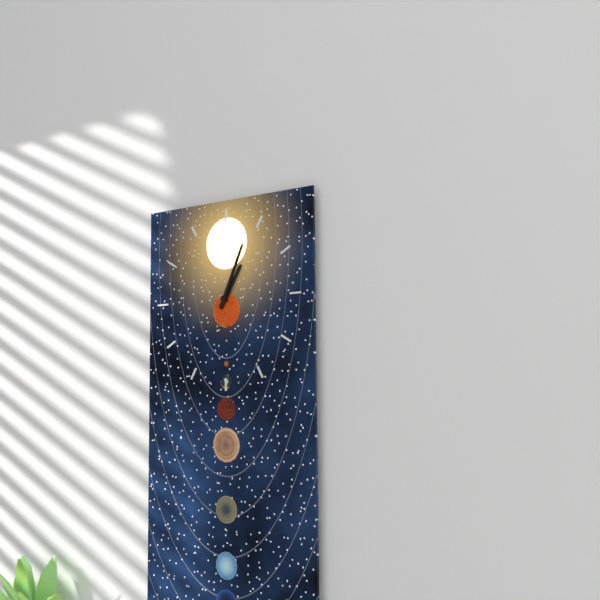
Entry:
h=1 m=4
